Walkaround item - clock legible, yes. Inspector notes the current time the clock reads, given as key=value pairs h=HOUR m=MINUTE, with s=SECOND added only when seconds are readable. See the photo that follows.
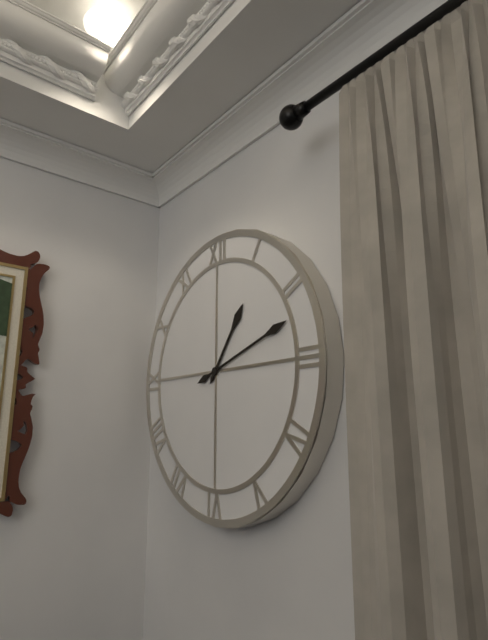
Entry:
h=1 m=12
